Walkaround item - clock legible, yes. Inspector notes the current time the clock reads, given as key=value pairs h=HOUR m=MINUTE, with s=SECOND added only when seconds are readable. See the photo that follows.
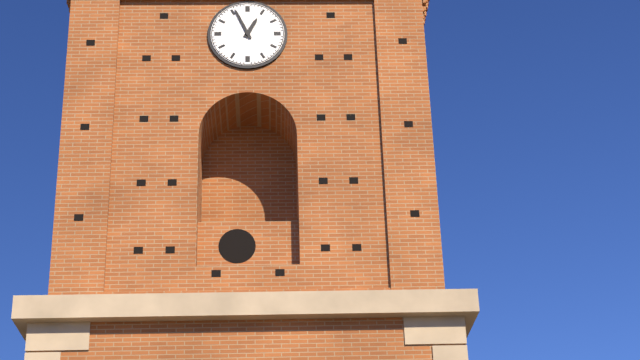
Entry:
h=12 m=56
